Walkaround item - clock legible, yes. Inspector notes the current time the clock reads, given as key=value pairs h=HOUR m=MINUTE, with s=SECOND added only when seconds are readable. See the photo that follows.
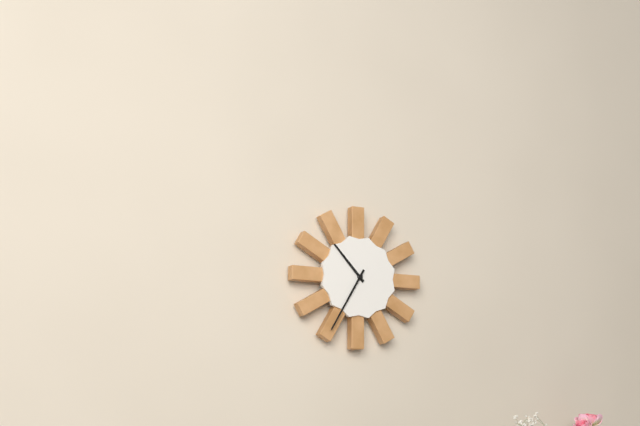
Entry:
h=10 m=35
